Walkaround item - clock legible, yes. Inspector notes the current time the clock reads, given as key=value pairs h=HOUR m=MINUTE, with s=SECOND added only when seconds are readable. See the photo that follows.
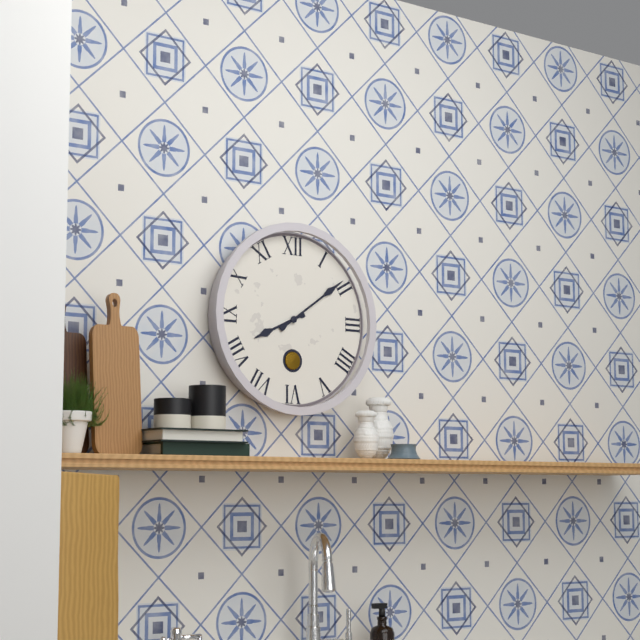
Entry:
h=8 m=9
